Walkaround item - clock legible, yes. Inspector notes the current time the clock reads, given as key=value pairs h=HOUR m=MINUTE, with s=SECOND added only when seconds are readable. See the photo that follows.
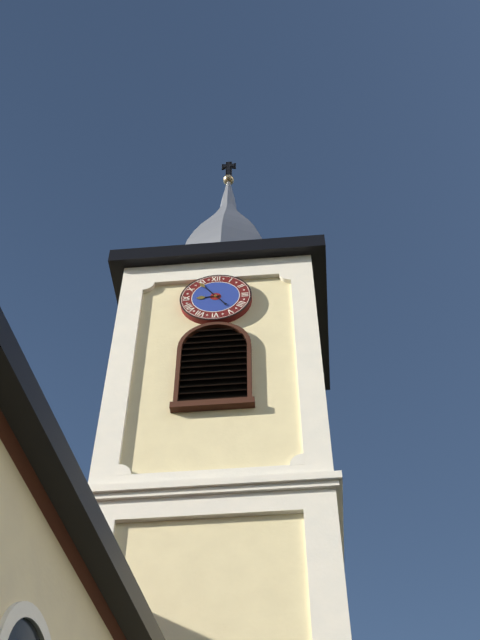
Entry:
h=8 m=54
